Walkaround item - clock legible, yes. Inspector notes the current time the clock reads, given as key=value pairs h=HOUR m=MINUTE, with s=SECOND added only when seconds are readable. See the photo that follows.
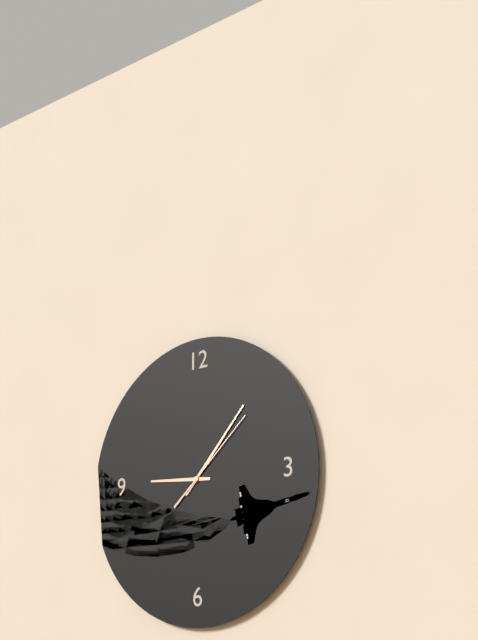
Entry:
h=9 m=7 s=8
